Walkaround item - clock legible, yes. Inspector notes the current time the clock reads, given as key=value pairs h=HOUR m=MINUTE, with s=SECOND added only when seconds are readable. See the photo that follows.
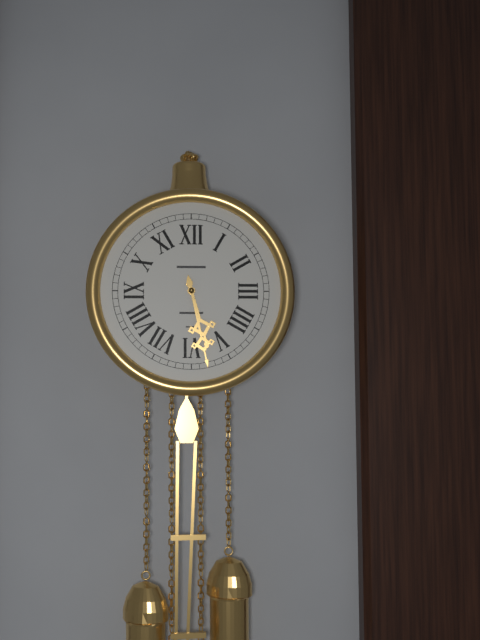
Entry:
h=5 m=28
